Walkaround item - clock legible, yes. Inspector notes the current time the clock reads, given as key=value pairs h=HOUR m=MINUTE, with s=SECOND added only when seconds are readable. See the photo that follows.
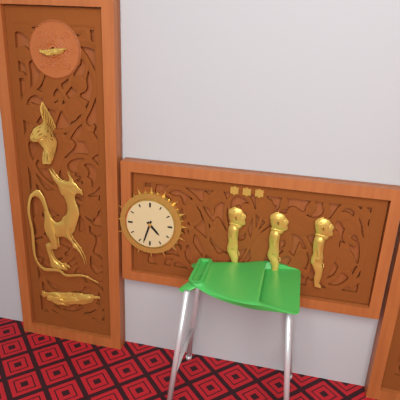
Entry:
h=4 m=33
